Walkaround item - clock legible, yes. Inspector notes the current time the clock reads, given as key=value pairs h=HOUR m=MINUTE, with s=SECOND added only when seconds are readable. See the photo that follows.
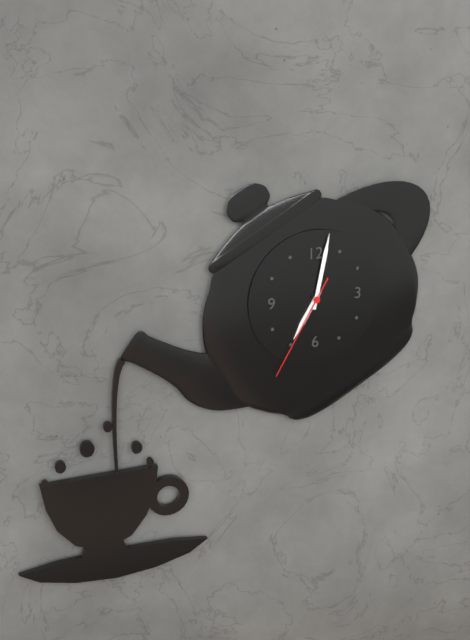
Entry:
h=7 m=2 s=35
